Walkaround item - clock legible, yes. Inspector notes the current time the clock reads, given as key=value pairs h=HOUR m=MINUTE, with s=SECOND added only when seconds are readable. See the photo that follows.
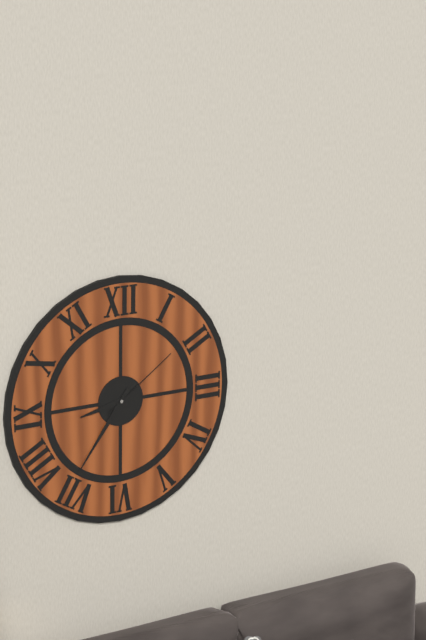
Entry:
h=8 m=36 s=9
